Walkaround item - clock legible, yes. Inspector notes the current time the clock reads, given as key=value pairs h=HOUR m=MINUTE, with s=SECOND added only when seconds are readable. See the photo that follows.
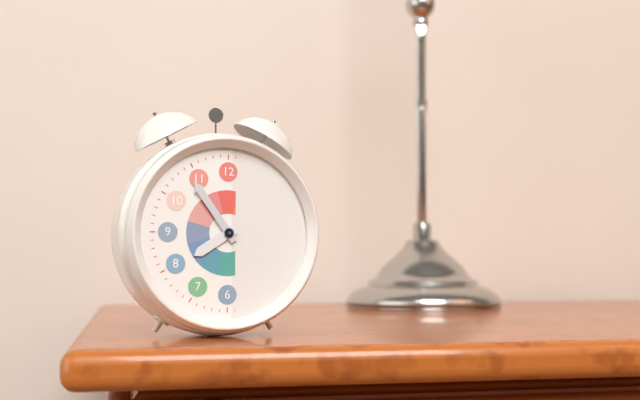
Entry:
h=7 m=54
